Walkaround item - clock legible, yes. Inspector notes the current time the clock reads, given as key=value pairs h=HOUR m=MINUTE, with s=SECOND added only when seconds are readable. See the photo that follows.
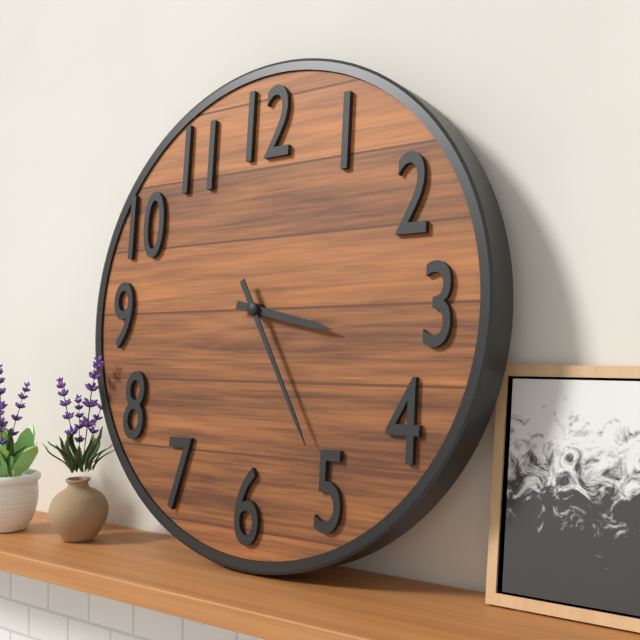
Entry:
h=3 m=25
